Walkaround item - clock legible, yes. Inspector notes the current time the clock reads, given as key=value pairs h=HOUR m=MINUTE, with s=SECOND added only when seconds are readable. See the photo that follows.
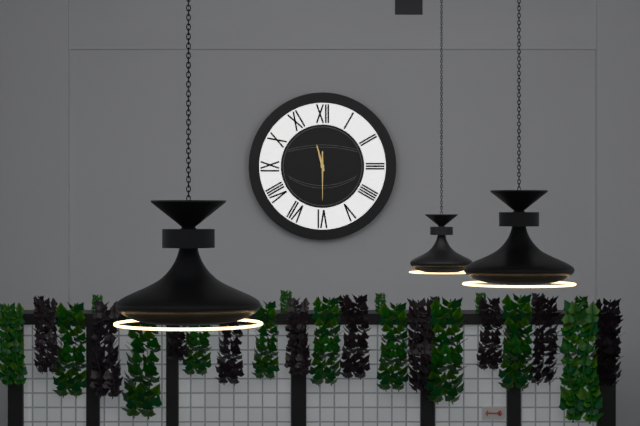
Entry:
h=11 m=30
